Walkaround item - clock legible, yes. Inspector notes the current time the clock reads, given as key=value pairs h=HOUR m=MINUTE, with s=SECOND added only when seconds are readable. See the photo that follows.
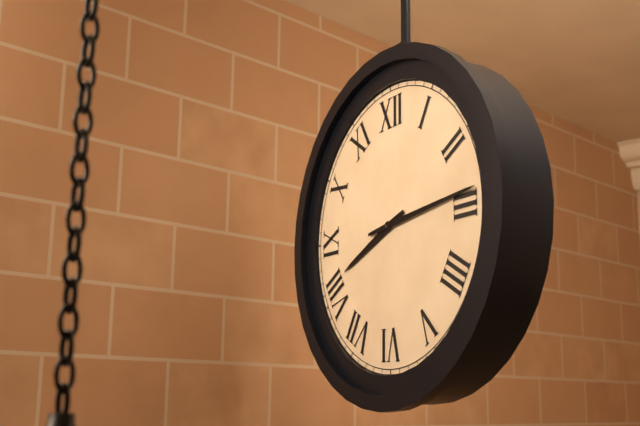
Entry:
h=8 m=14
